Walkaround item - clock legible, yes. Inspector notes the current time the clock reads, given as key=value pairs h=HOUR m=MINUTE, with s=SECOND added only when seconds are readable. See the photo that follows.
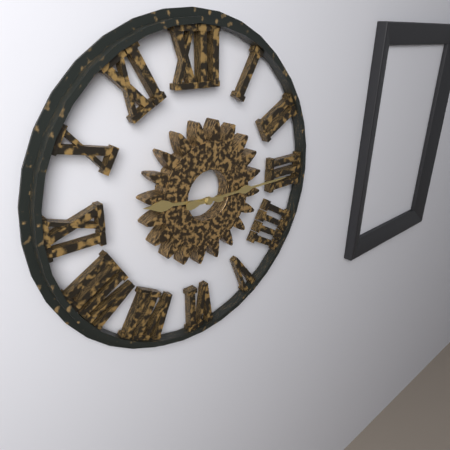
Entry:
h=9 m=15
